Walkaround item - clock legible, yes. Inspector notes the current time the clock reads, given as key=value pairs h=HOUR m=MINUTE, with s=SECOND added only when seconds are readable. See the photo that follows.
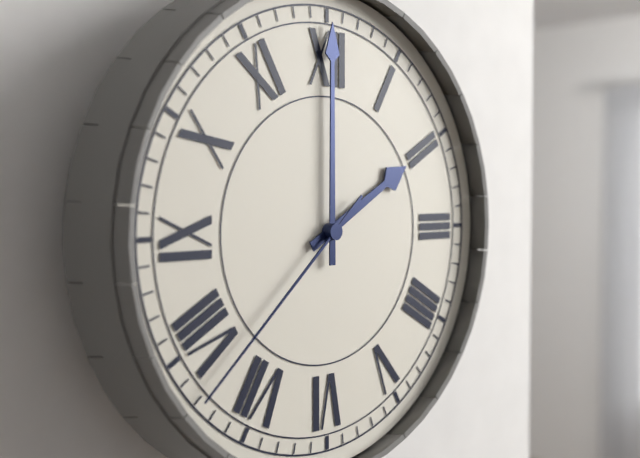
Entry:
h=2 m=0 s=38
